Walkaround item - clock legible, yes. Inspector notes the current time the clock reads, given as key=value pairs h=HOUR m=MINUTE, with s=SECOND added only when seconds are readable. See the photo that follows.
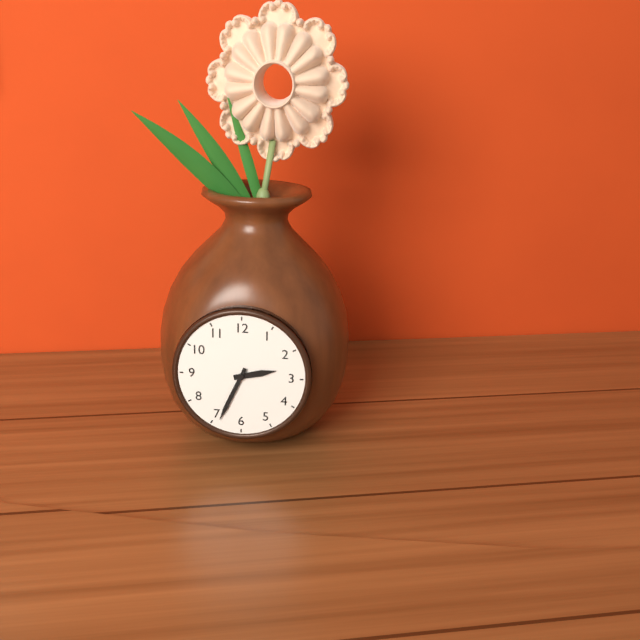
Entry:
h=2 m=34
